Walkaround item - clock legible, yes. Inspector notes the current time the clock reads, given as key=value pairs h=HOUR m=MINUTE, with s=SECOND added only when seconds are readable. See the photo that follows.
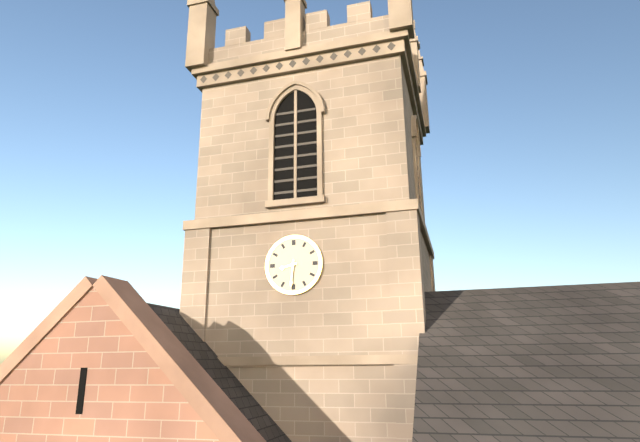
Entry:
h=8 m=31
